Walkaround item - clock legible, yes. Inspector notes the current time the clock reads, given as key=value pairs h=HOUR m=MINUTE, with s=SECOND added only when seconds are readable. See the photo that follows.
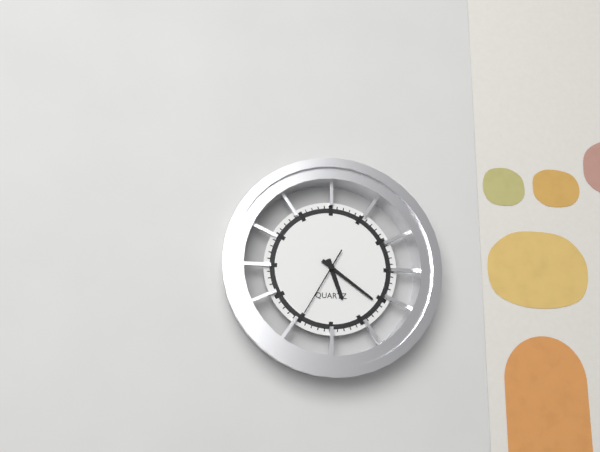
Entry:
h=5 m=21 s=35
